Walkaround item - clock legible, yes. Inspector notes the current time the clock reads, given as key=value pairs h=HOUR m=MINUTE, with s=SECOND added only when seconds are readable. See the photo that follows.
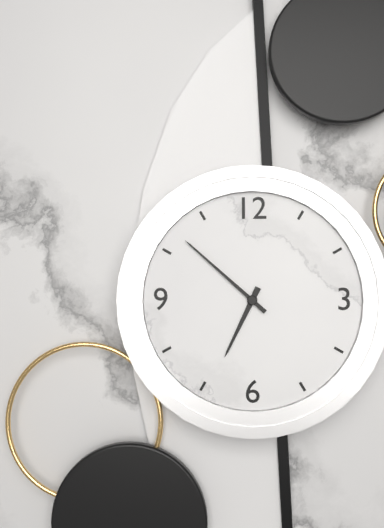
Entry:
h=6 m=52
